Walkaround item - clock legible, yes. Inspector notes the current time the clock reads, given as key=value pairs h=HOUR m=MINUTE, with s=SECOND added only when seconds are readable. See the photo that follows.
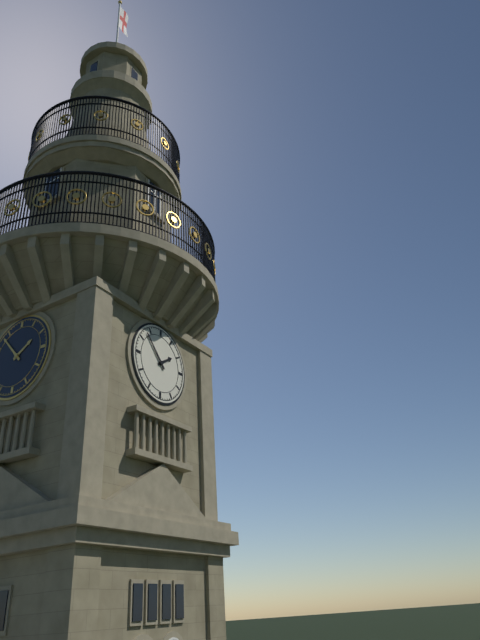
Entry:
h=1 m=53
